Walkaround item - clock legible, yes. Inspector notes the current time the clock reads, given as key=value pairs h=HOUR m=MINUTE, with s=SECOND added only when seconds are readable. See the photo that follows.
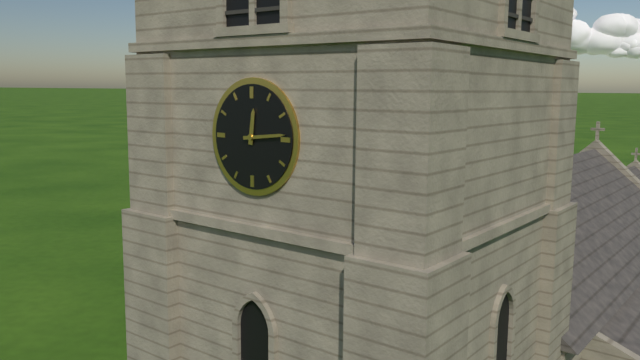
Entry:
h=12 m=14
